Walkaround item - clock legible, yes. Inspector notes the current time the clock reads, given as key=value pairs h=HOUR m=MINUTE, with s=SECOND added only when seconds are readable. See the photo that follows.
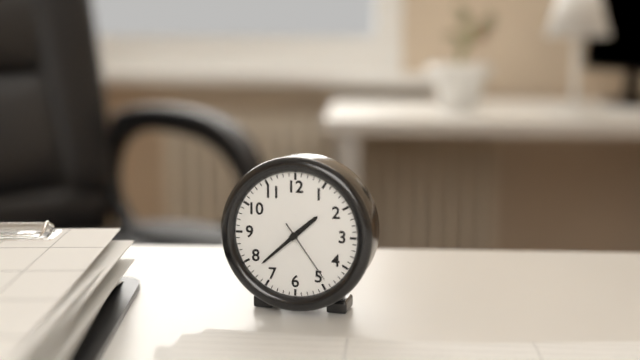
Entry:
h=1 m=38 s=24
